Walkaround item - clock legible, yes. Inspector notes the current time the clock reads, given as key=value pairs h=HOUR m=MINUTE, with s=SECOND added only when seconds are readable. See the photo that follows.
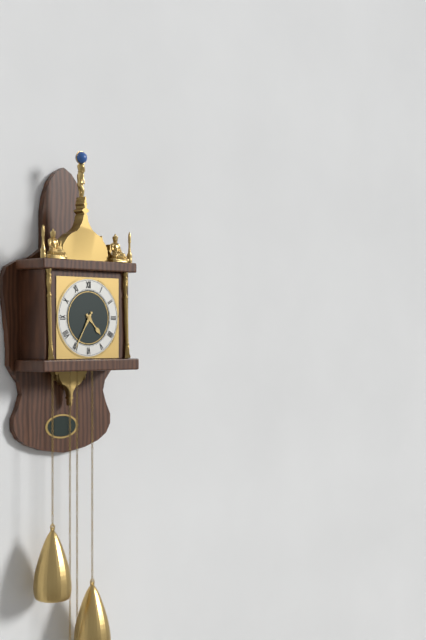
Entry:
h=4 m=35
